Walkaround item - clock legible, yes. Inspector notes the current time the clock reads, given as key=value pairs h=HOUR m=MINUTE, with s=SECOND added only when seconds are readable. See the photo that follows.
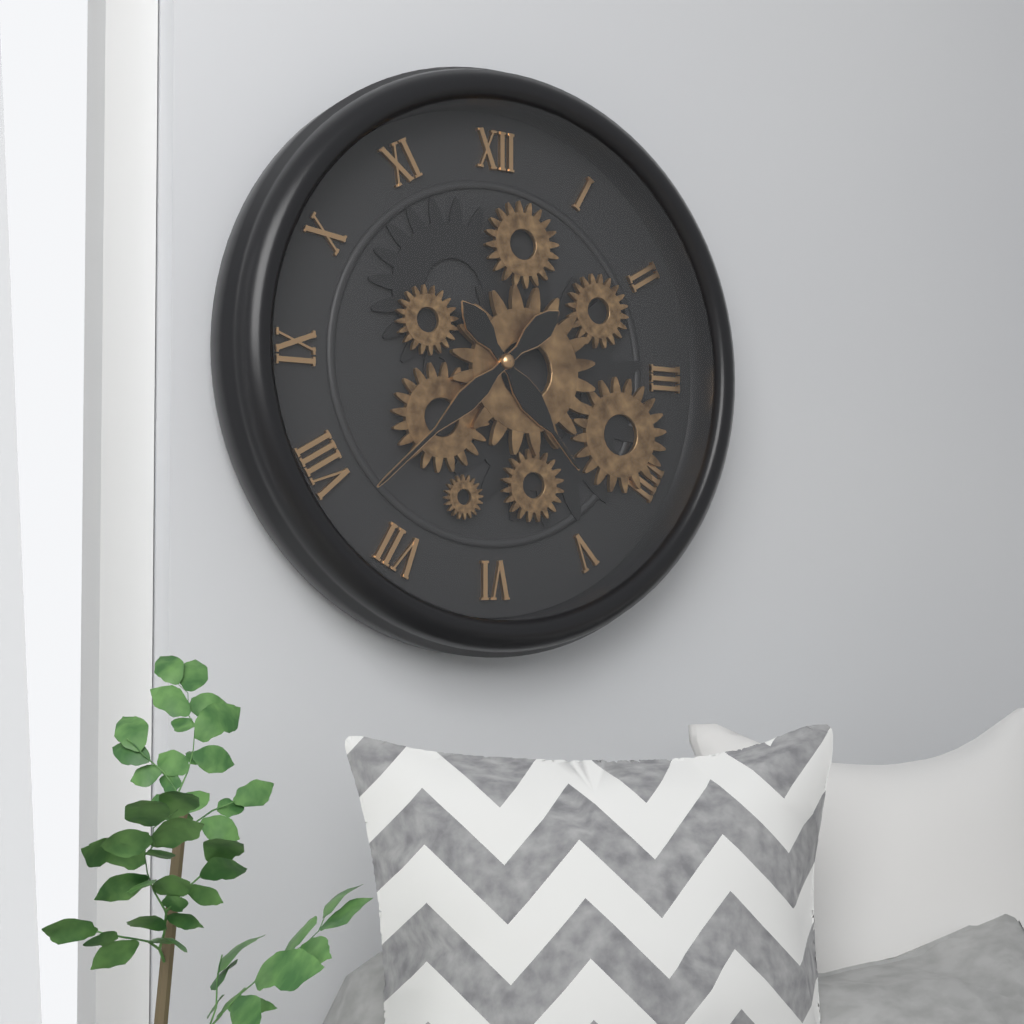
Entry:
h=4 m=38
